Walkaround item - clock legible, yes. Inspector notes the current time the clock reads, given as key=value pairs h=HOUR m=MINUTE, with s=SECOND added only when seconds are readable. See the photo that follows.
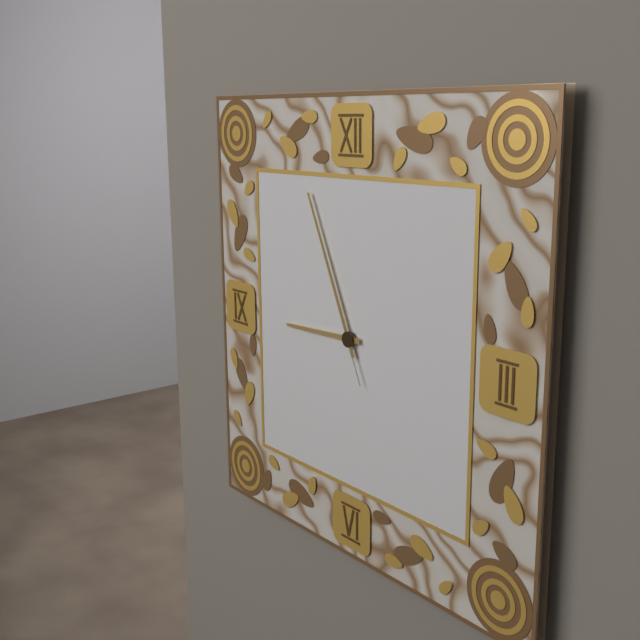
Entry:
h=8 m=56 s=56
